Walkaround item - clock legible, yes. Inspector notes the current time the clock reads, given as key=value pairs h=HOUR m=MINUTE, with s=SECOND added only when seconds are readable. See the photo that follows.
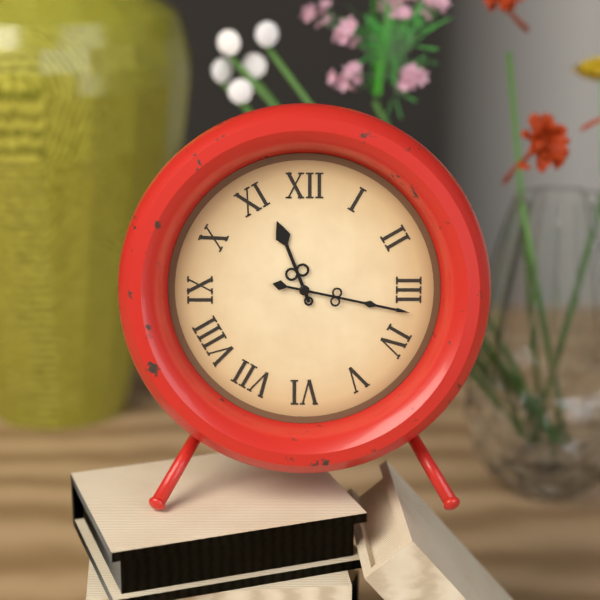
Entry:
h=11 m=17
